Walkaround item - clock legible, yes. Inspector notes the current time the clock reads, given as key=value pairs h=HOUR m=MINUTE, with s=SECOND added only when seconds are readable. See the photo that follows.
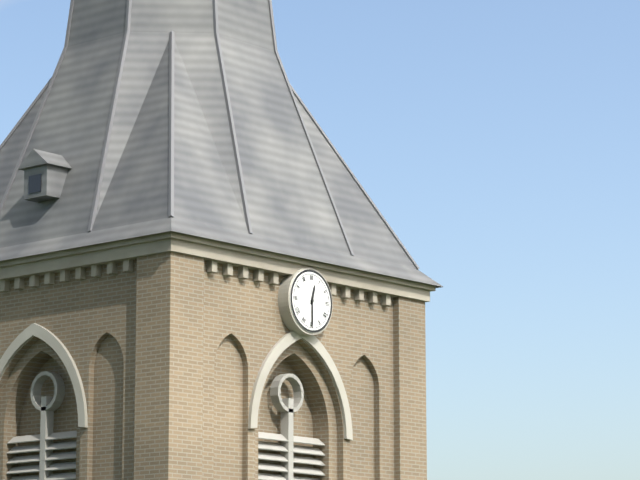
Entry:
h=12 m=30
